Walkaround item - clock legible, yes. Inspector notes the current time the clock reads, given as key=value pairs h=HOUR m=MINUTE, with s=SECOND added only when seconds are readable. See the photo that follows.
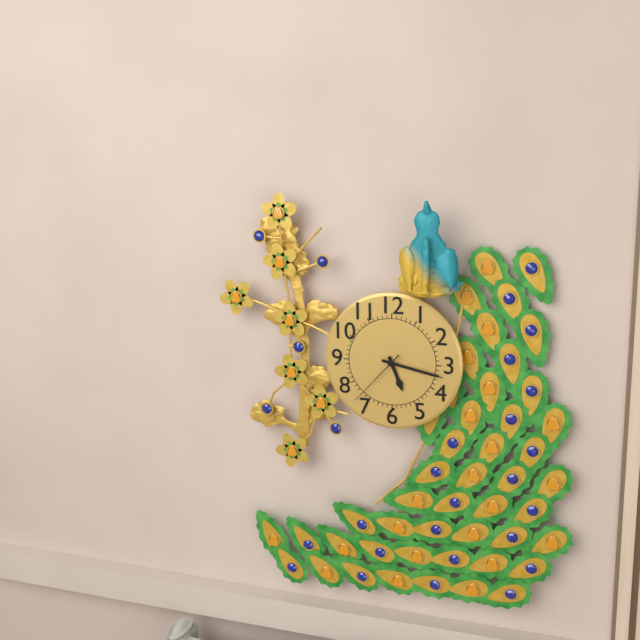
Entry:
h=5 m=17 s=37
